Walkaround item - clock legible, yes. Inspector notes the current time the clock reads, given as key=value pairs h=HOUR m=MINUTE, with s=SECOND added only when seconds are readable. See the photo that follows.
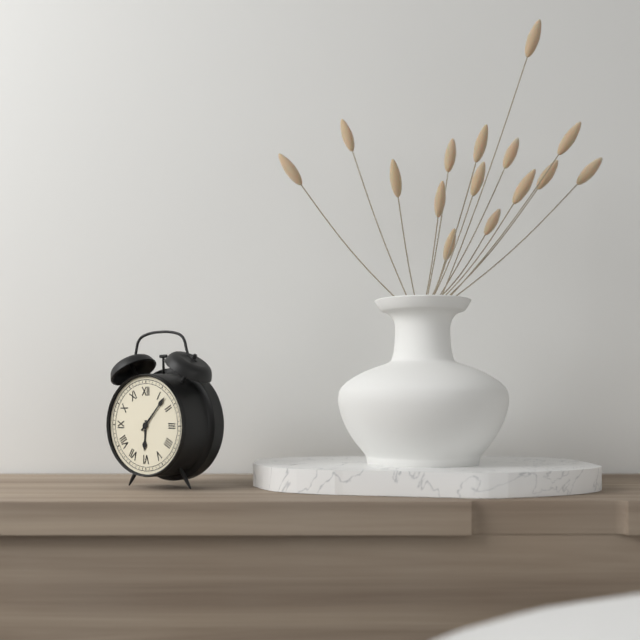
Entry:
h=6 m=7
